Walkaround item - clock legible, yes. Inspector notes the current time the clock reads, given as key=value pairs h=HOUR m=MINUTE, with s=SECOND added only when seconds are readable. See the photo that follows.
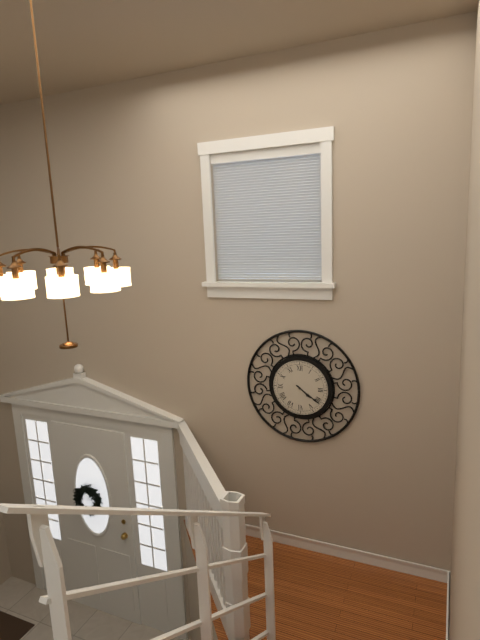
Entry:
h=4 m=21
